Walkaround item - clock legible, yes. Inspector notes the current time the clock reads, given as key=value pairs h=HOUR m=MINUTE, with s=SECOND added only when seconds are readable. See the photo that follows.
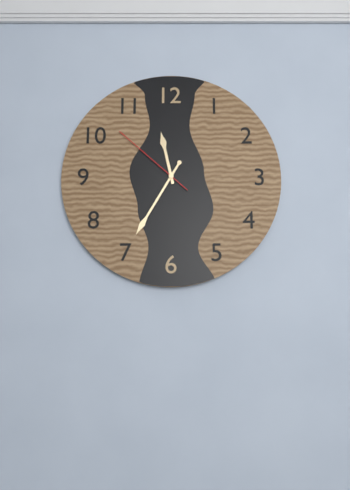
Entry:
h=11 m=35 s=52
